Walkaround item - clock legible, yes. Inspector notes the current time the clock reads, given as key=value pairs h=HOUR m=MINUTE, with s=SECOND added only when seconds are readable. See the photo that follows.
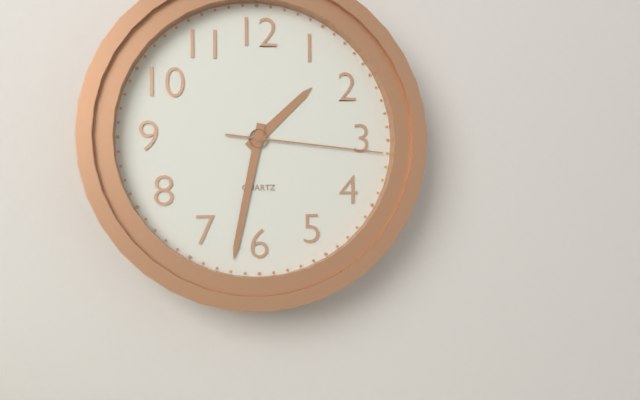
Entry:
h=1 m=32 s=16
